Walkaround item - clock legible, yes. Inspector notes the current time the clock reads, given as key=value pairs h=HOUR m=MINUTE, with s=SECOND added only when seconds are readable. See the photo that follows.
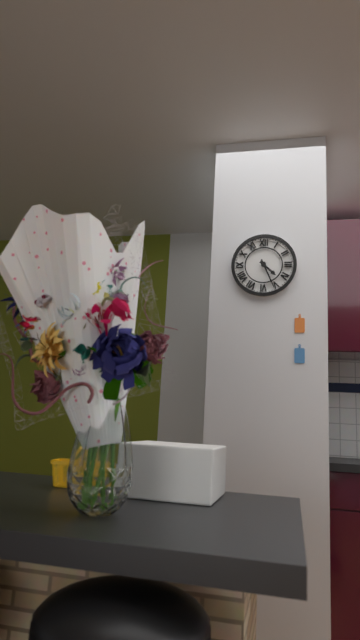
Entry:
h=4 m=26
